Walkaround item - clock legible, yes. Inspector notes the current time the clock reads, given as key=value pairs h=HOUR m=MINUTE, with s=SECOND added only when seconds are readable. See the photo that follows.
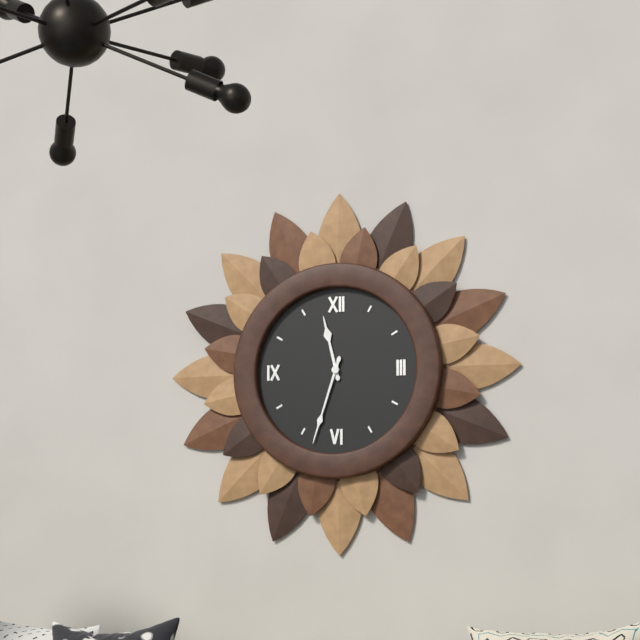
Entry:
h=11 m=33
